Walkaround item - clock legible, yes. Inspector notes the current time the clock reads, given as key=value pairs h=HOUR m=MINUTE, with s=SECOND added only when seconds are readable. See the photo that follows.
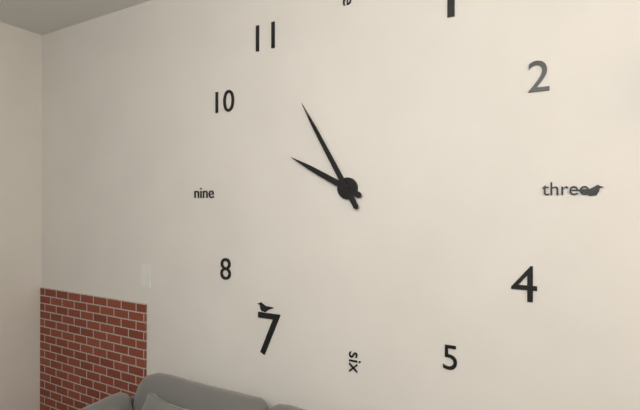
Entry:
h=9 m=55
